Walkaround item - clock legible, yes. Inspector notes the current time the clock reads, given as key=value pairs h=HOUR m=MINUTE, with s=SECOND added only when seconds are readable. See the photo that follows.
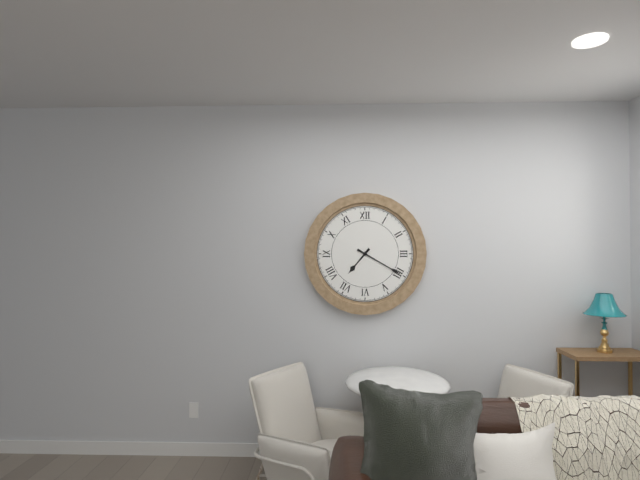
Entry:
h=7 m=20
